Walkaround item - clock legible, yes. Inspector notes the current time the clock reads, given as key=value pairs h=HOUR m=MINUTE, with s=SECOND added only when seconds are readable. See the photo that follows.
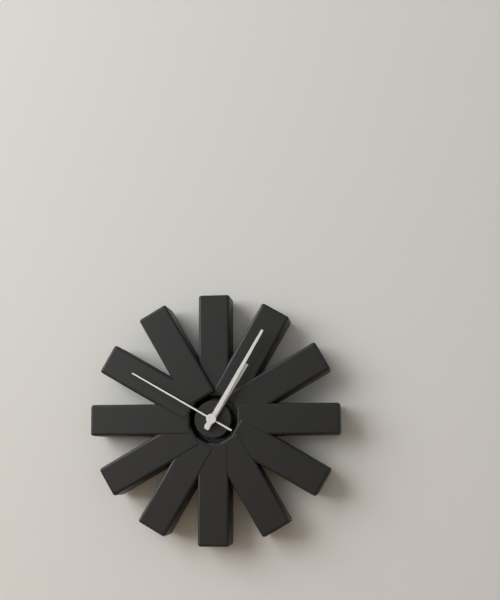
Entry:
h=1 m=5 s=50
